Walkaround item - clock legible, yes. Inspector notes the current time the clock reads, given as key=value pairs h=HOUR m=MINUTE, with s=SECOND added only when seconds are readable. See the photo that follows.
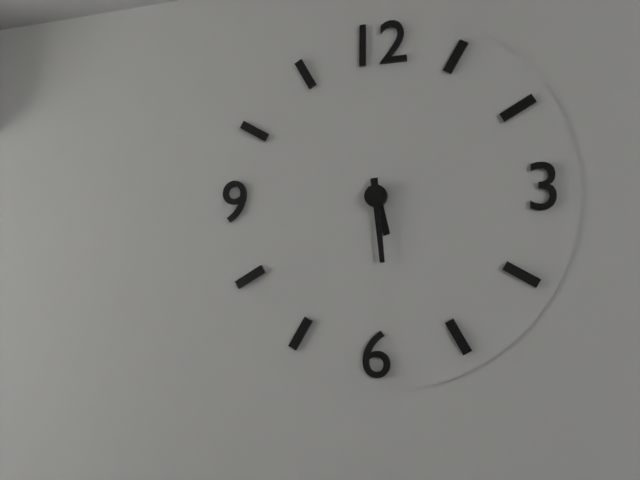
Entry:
h=5 m=29
